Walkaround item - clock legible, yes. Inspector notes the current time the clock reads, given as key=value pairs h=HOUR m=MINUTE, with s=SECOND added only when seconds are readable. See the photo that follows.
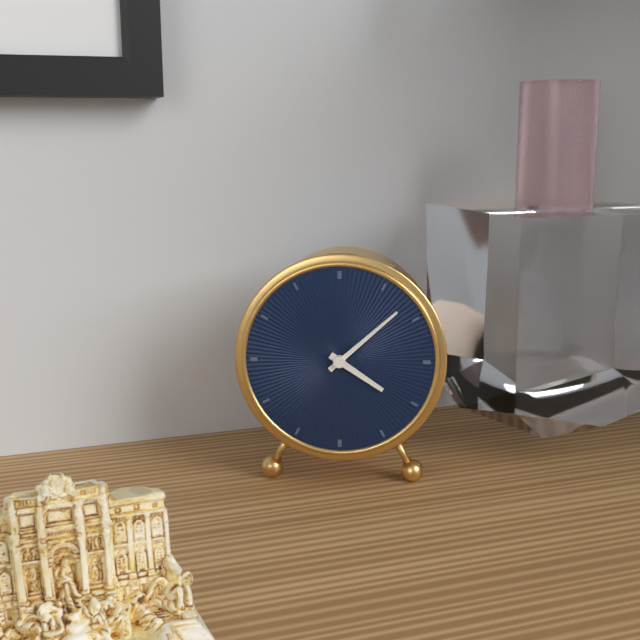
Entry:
h=4 m=8
